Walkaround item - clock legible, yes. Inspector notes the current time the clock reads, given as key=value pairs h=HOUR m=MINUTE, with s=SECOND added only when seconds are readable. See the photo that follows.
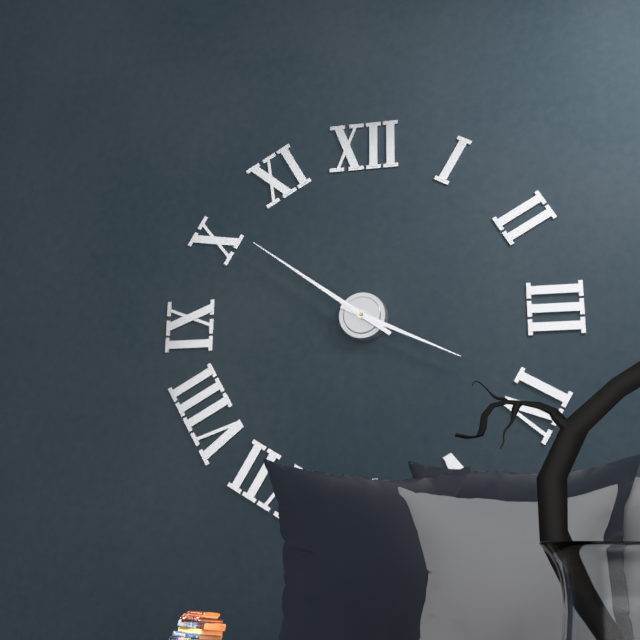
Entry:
h=3 m=51
